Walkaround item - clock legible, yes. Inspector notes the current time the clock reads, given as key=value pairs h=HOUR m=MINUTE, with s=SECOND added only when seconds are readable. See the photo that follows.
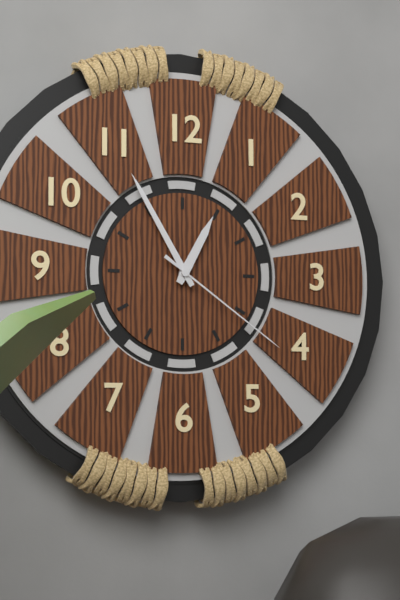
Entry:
h=12 m=55 s=21
